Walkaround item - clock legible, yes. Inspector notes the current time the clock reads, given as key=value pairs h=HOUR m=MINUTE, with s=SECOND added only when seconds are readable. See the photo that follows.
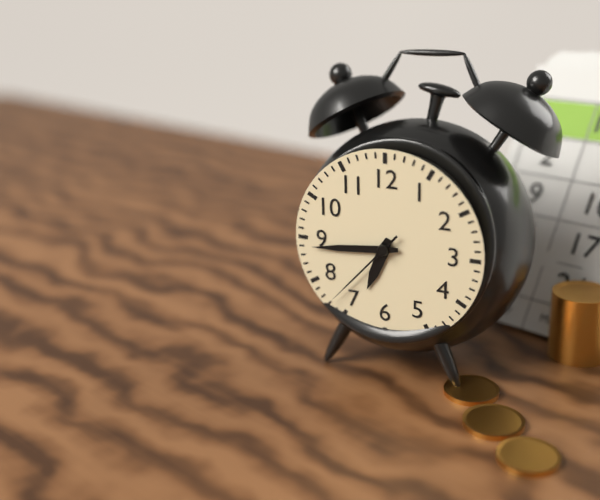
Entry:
h=6 m=44 s=37
